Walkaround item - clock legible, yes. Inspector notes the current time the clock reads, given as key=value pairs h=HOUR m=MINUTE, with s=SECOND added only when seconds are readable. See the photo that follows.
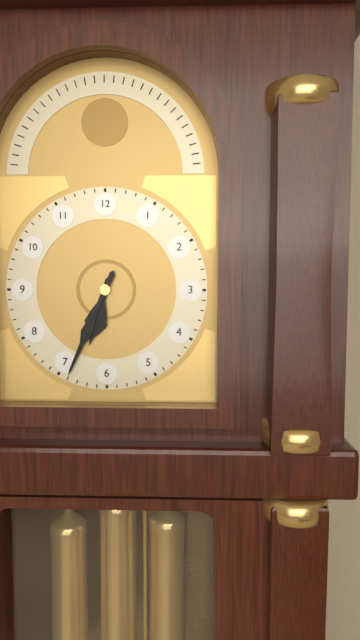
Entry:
h=6 m=34
